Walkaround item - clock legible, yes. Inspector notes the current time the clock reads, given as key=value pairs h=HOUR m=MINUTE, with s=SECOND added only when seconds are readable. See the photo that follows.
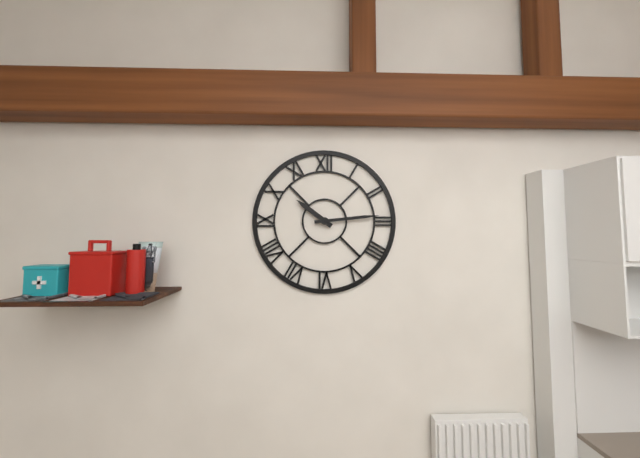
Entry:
h=10 m=14
